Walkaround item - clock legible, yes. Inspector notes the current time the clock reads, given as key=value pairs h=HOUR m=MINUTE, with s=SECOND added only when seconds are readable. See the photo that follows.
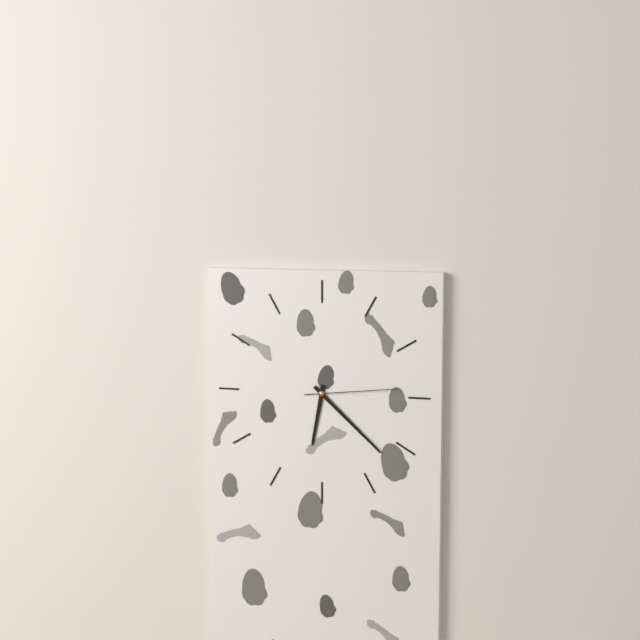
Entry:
h=6 m=22 s=14
